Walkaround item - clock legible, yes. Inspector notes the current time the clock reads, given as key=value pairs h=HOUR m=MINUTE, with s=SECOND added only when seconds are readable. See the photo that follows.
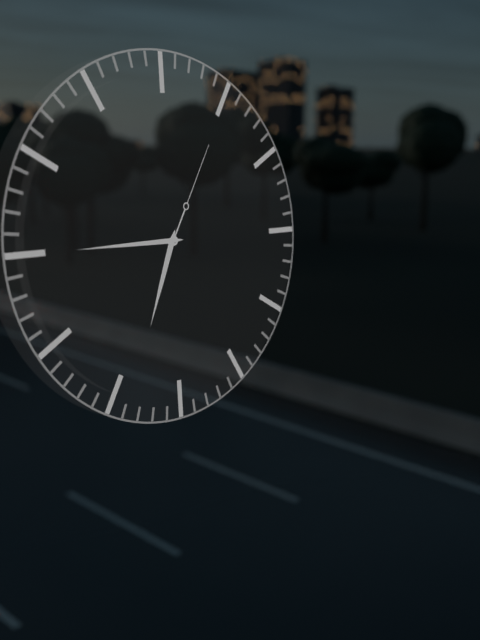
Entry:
h=6 m=45 s=5
